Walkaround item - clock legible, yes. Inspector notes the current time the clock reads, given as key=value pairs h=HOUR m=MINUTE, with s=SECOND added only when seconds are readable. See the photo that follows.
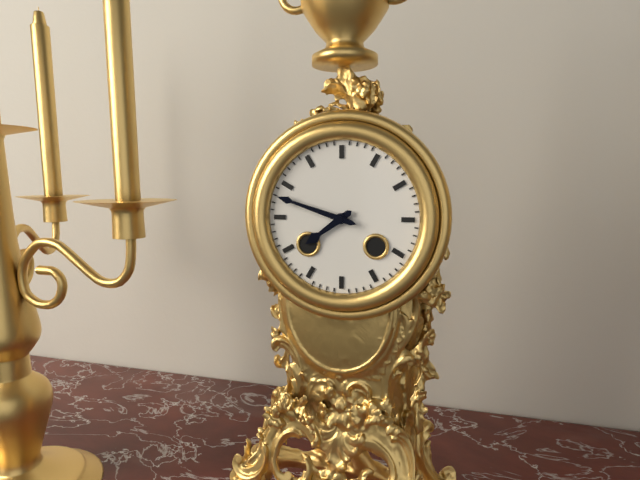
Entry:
h=7 m=48
